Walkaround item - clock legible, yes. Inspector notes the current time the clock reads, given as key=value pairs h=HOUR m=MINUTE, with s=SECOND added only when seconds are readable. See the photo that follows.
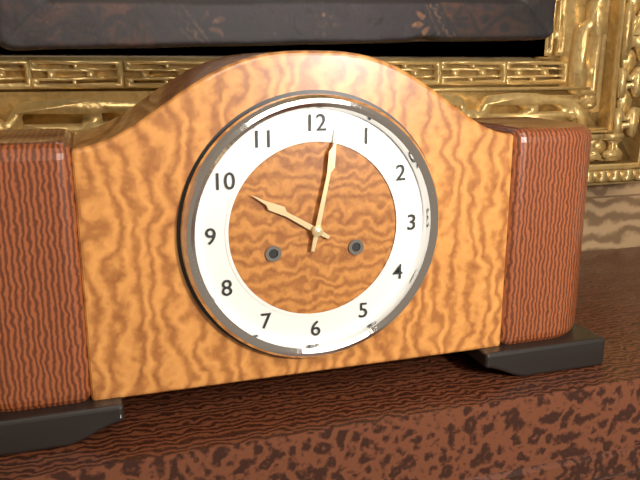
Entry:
h=10 m=2
